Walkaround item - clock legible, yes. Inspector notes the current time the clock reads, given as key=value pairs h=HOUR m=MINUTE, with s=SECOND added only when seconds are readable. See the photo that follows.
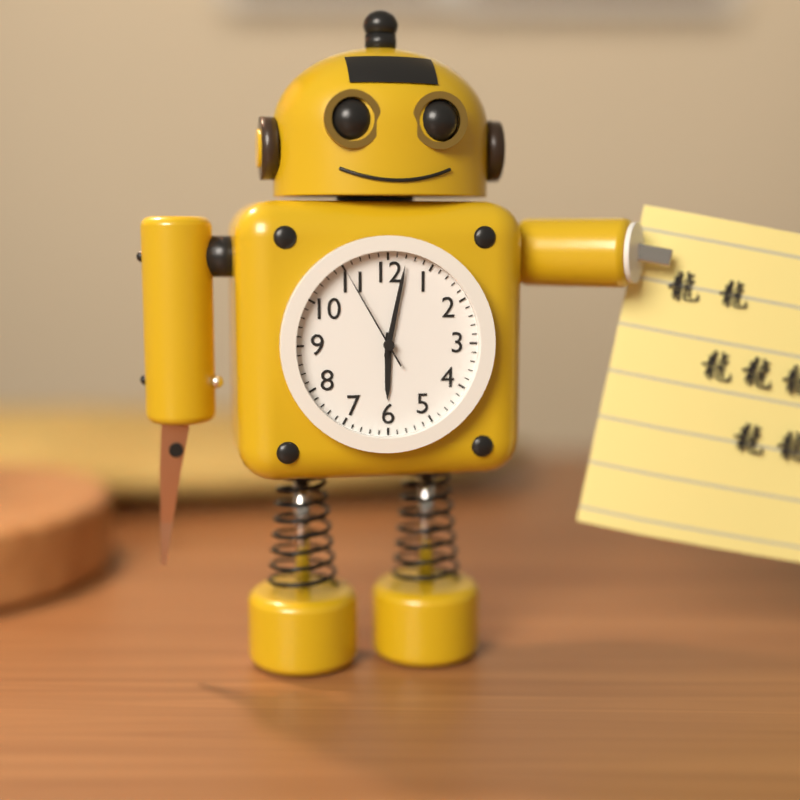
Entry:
h=6 m=2 s=55
